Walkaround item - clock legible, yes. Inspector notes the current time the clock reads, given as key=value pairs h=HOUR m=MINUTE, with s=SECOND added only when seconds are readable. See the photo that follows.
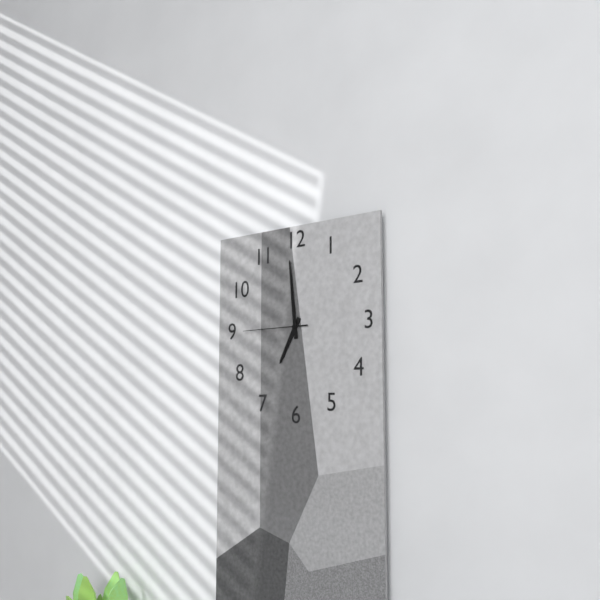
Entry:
h=6 m=59 s=45
